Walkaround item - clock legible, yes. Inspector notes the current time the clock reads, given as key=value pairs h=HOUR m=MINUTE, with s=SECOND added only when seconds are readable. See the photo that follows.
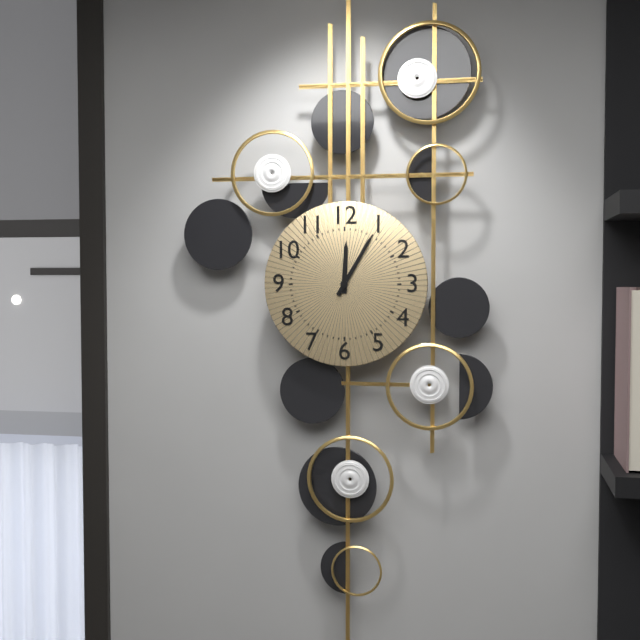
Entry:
h=12 m=5
